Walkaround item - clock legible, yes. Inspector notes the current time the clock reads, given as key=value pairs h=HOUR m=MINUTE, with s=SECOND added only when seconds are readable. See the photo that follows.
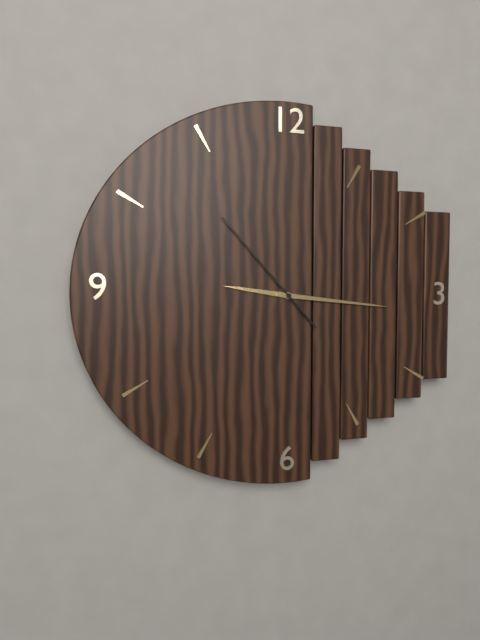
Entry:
h=9 m=16 s=53
